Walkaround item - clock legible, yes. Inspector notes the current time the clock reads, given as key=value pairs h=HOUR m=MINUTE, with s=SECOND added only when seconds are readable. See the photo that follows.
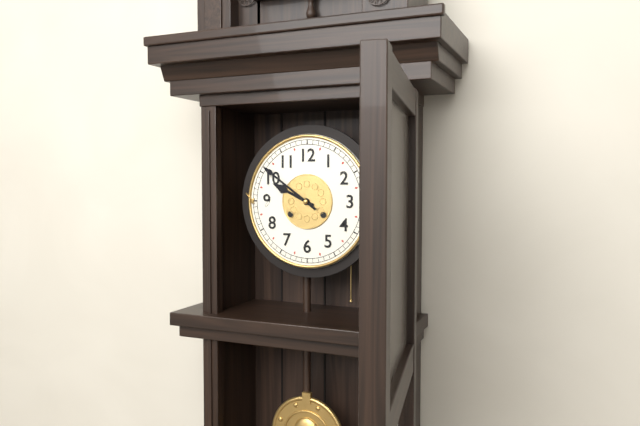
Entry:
h=9 m=51
